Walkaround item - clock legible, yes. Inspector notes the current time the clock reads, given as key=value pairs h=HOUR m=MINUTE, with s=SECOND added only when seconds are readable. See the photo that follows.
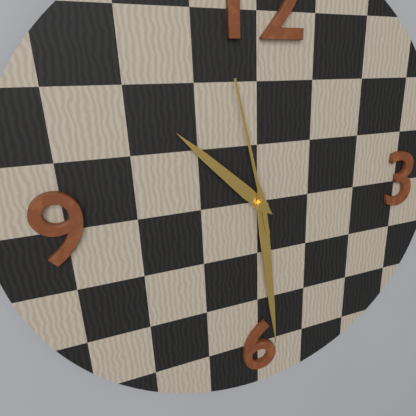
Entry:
h=10 m=29 s=58
